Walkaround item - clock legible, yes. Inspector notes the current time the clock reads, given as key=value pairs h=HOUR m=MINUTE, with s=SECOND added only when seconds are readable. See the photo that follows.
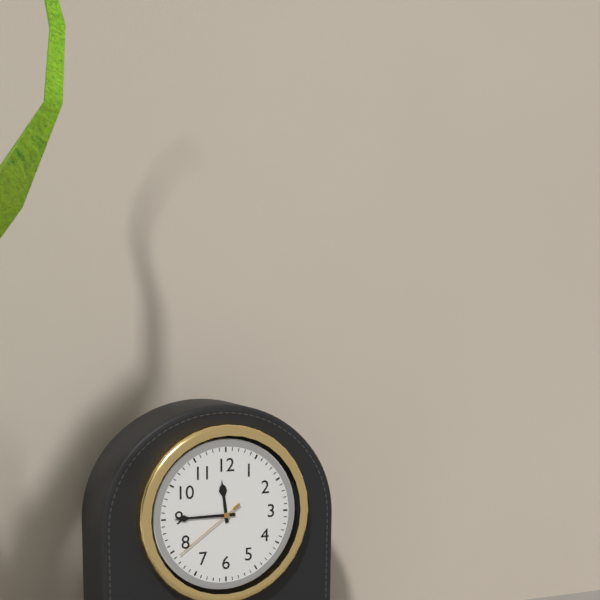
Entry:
h=11 m=45 s=39
